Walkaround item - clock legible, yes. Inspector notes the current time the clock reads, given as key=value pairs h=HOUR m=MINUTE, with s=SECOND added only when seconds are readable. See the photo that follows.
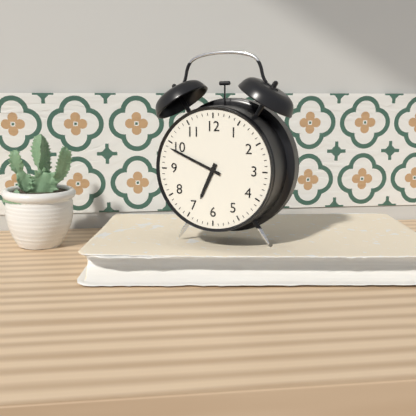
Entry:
h=6 m=49
